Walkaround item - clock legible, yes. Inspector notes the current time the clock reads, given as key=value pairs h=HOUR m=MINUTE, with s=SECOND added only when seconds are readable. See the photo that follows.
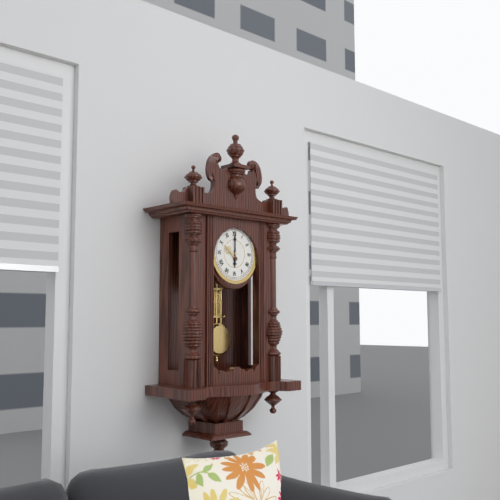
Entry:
h=6 m=0
